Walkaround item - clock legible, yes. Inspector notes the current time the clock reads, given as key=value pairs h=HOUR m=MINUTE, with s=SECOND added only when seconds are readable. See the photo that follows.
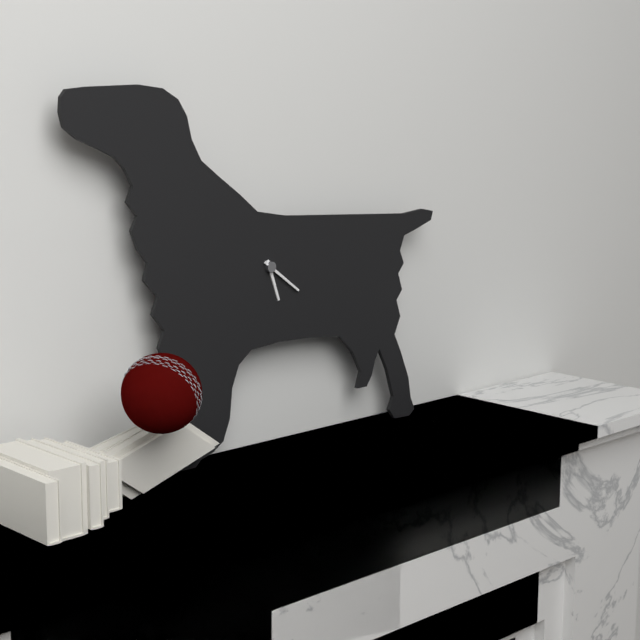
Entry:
h=5 m=21
